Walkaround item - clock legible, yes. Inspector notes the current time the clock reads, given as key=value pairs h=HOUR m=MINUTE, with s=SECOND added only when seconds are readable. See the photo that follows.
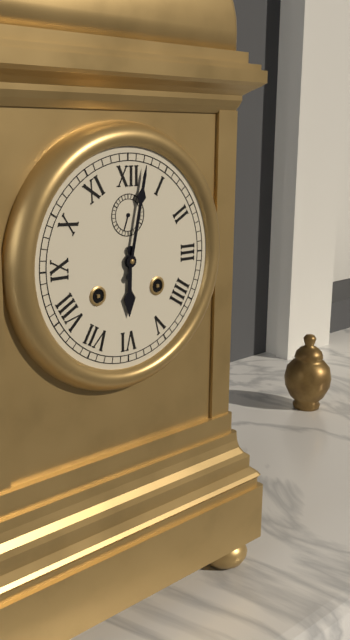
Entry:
h=6 m=2
